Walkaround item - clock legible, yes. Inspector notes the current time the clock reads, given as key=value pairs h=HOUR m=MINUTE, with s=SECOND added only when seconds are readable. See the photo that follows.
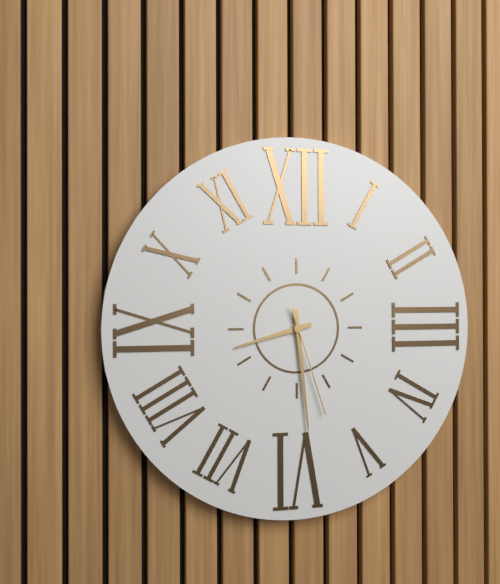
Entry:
h=8 m=29 s=27
